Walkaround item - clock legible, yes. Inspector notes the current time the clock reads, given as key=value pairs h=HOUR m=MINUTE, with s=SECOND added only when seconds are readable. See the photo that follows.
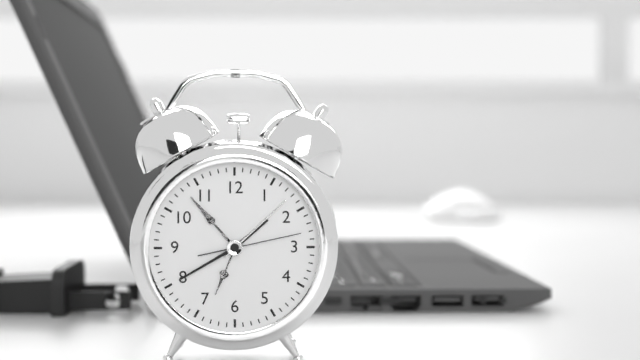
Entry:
h=1 m=40 s=13
